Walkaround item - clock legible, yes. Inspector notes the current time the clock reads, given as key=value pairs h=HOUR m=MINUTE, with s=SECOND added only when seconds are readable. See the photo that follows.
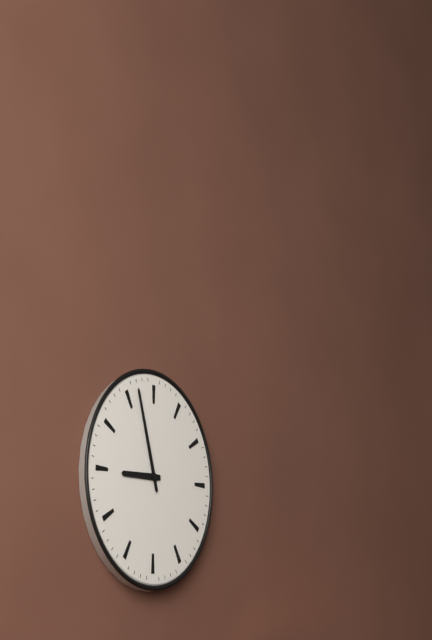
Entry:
h=8 m=57
